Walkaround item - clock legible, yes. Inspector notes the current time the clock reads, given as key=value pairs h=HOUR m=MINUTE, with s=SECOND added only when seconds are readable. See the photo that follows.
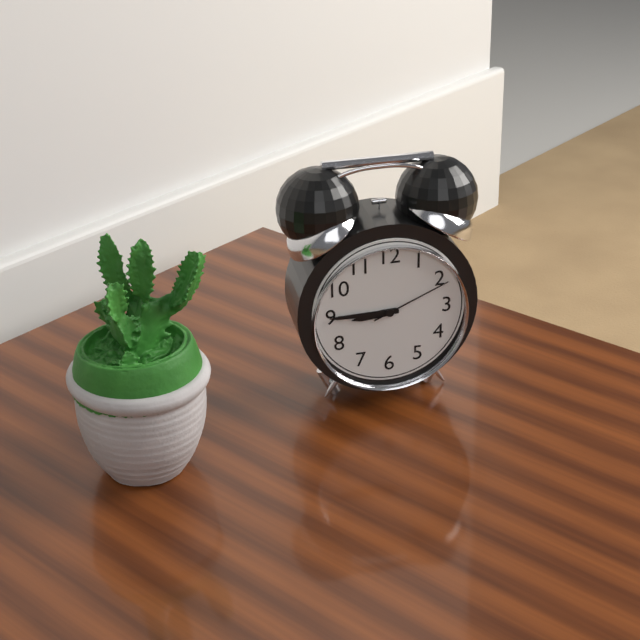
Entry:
h=8 m=45 s=11
